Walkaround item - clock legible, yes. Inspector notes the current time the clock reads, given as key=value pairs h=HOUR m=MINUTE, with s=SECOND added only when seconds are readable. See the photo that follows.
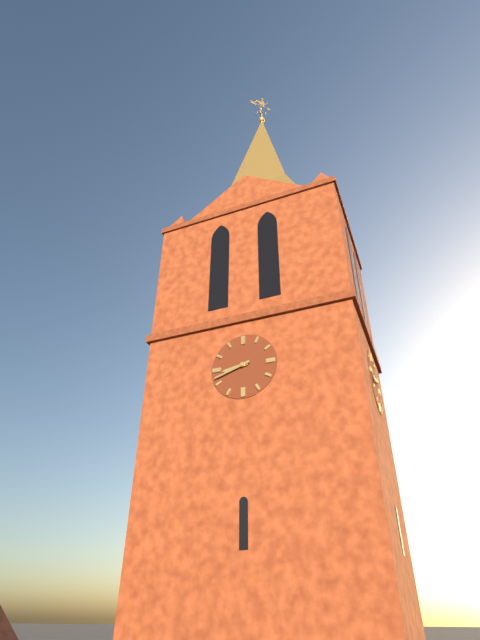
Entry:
h=8 m=42
